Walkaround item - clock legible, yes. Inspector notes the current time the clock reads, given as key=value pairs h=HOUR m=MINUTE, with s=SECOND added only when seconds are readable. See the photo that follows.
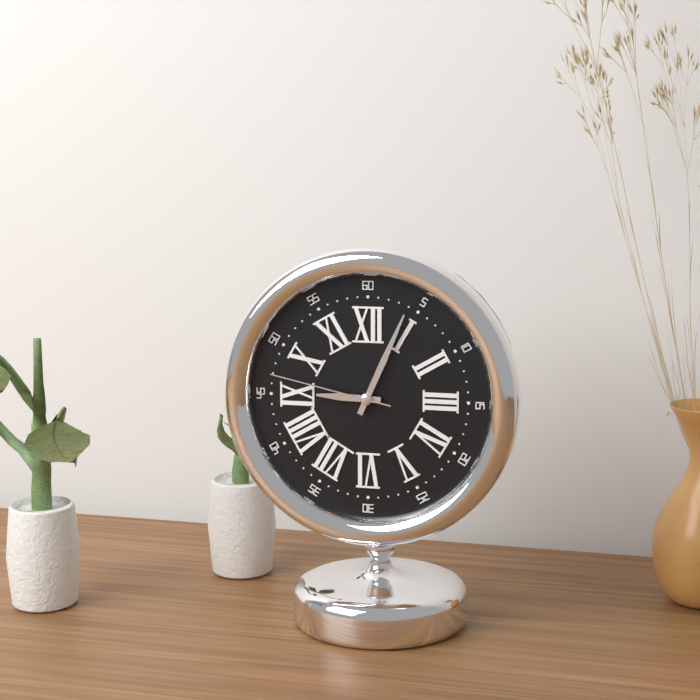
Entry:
h=9 m=4 s=47
